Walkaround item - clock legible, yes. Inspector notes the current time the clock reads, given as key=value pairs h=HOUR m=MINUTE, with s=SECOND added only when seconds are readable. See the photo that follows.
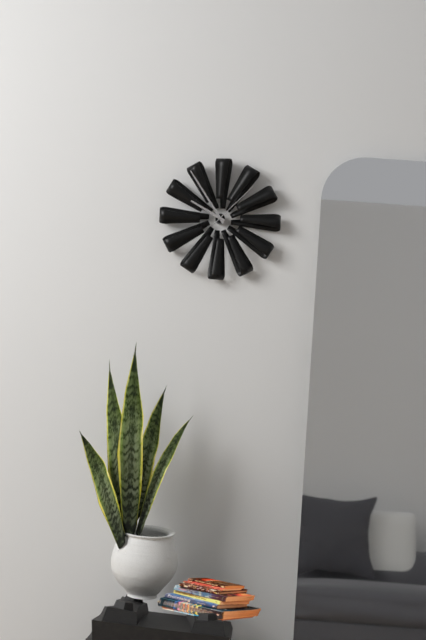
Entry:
h=9 m=54 s=7
